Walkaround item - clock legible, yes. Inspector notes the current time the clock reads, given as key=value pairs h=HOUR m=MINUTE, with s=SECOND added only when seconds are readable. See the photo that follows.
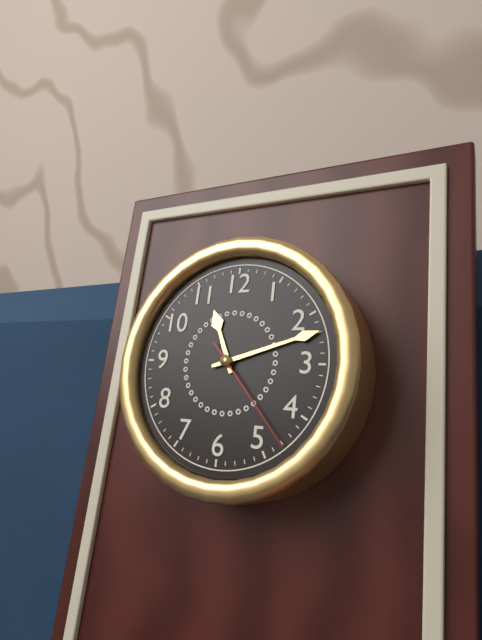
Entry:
h=11 m=12 s=23
